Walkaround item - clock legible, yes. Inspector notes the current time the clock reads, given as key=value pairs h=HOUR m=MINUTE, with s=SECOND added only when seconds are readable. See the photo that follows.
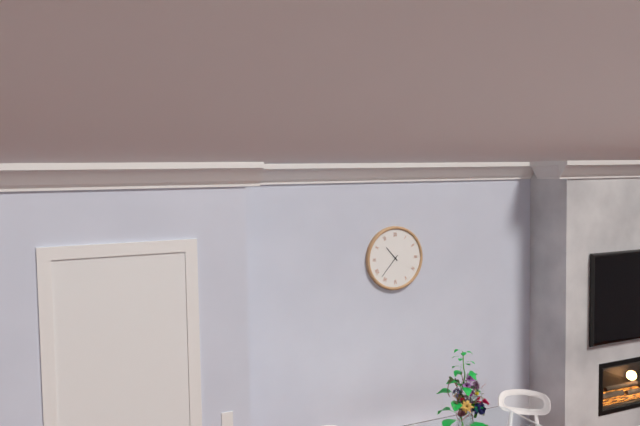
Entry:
h=10 m=37
